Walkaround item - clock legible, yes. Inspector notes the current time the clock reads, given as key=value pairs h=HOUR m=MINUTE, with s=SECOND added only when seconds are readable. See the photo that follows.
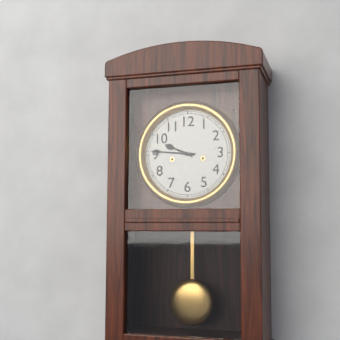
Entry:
h=9 m=46
